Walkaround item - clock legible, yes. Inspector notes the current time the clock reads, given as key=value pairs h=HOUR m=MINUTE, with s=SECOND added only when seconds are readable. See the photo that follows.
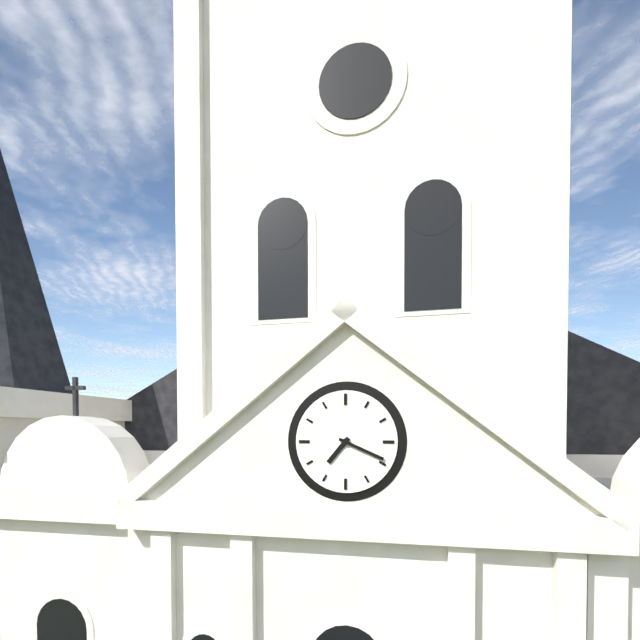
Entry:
h=7 m=19
